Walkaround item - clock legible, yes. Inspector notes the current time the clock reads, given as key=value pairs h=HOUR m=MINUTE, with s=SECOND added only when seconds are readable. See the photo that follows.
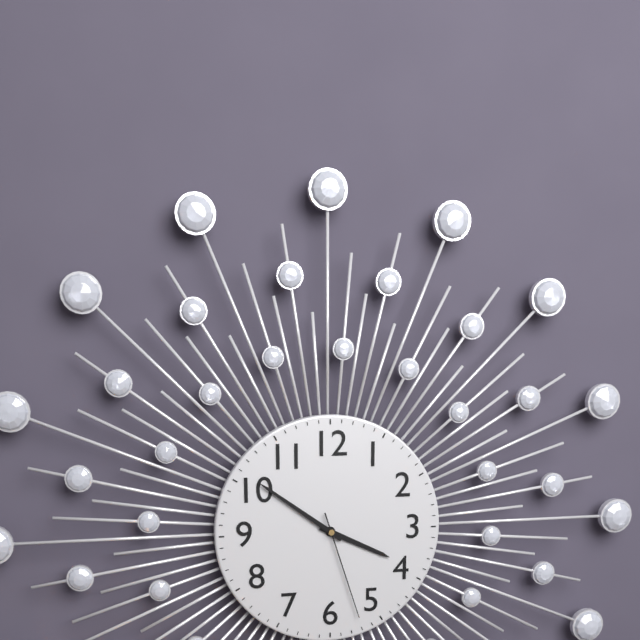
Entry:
h=3 m=51 s=27
